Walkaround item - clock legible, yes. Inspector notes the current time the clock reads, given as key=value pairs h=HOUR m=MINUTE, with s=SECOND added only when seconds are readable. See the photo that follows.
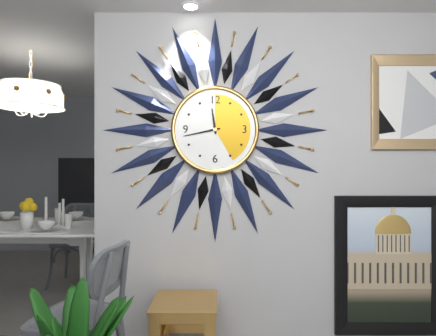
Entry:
h=11 m=43
